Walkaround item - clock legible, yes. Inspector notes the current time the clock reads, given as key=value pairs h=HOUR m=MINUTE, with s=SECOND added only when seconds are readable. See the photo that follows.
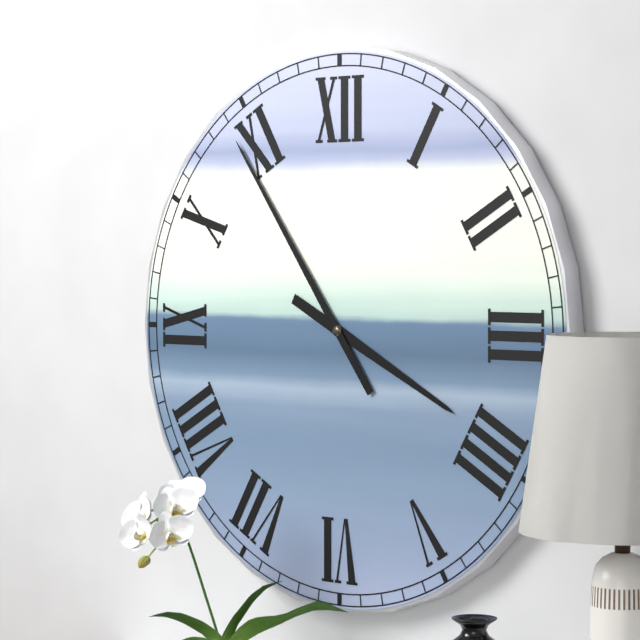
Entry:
h=3 m=54
